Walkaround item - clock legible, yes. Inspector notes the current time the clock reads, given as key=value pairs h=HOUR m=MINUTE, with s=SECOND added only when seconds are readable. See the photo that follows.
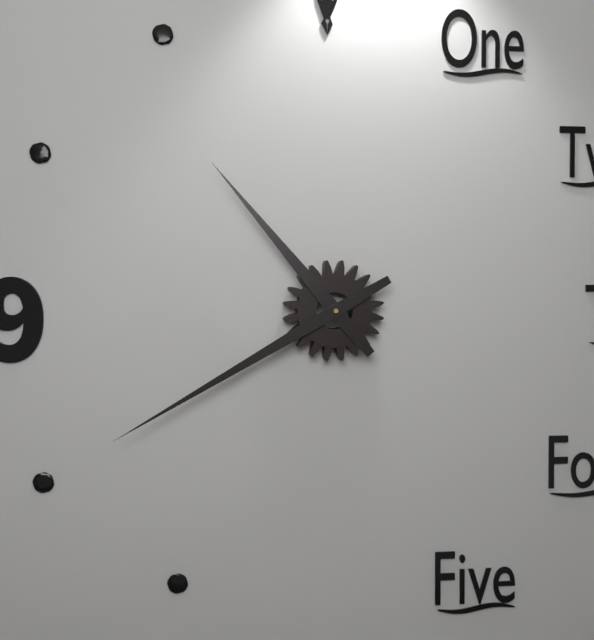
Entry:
h=10 m=40
